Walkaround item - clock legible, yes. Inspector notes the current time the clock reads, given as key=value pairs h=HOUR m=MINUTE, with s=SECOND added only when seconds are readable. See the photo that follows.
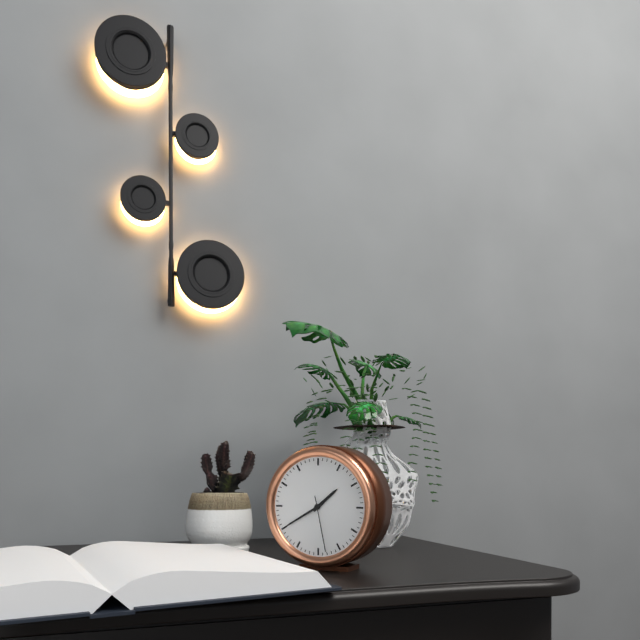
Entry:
h=1 m=40 s=28
